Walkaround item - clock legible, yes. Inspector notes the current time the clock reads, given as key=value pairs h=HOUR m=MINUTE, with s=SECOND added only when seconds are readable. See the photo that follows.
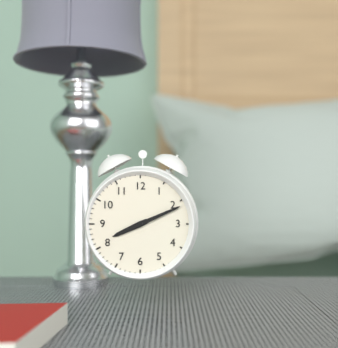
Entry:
h=8 m=11
